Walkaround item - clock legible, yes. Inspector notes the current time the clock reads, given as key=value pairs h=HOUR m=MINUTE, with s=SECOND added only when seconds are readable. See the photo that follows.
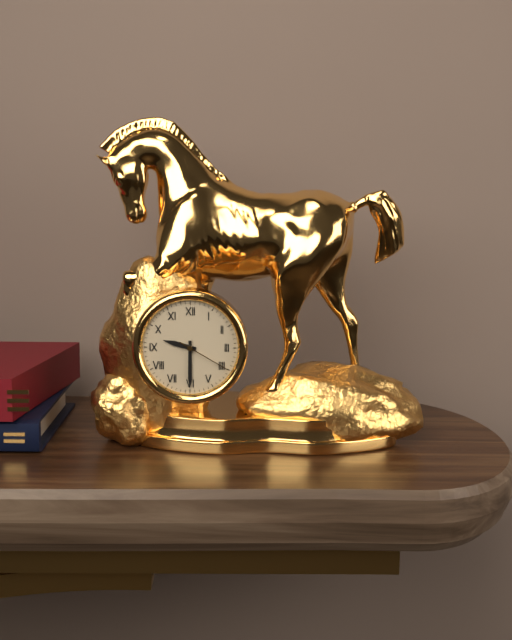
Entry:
h=9 m=30 s=20
